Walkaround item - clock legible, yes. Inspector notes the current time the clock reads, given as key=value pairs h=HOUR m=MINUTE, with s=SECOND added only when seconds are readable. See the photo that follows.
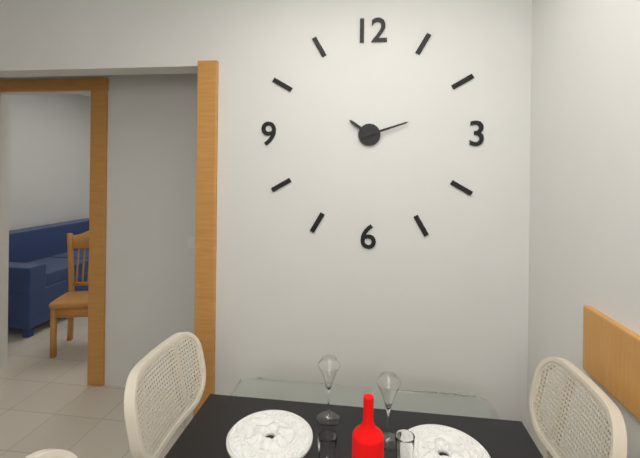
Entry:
h=10 m=12
